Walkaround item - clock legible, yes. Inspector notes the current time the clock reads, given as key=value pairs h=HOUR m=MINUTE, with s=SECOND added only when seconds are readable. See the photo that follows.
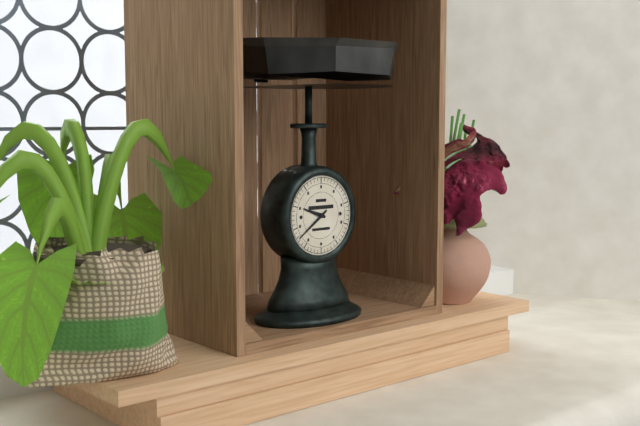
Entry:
h=9 m=39
